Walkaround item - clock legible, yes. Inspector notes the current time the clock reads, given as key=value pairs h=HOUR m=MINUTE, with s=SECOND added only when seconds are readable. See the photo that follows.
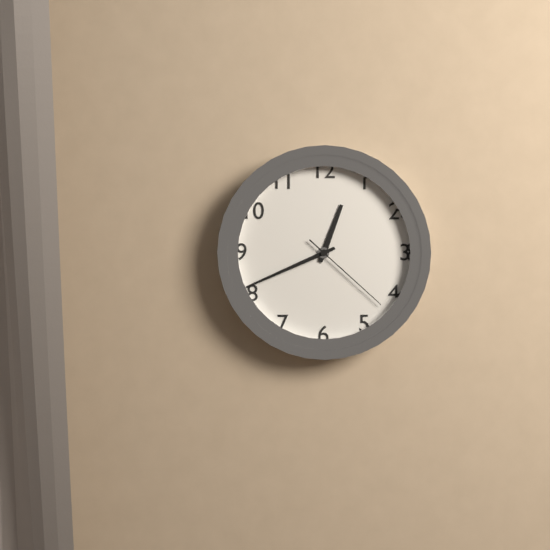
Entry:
h=12 m=41 s=22
